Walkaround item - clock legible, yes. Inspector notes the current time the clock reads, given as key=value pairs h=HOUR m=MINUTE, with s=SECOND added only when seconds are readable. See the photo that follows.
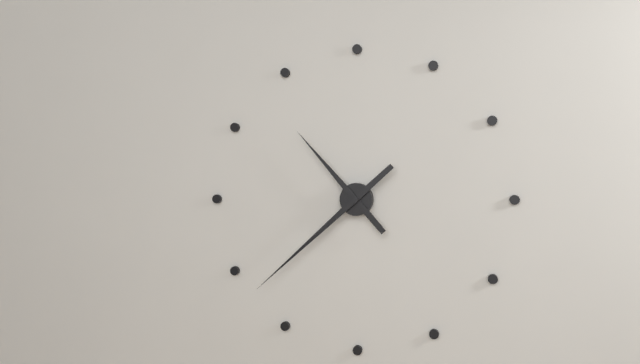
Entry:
h=10 m=38
